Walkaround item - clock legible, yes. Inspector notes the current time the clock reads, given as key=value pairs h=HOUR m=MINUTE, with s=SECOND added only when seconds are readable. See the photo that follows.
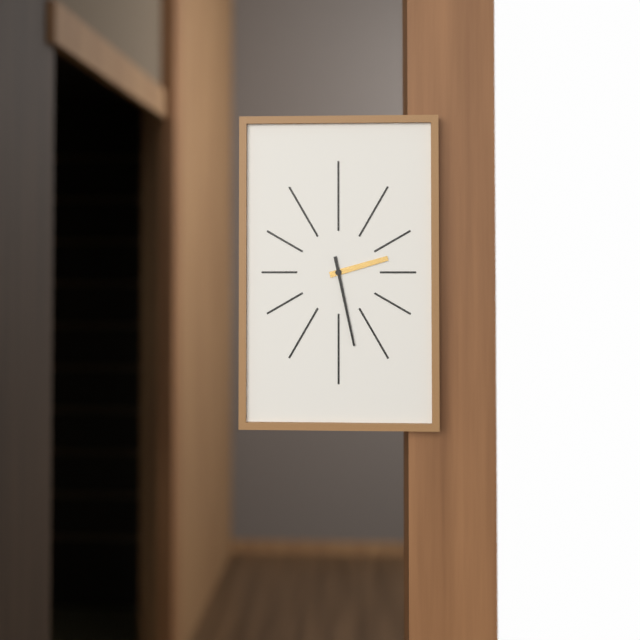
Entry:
h=2 m=28
